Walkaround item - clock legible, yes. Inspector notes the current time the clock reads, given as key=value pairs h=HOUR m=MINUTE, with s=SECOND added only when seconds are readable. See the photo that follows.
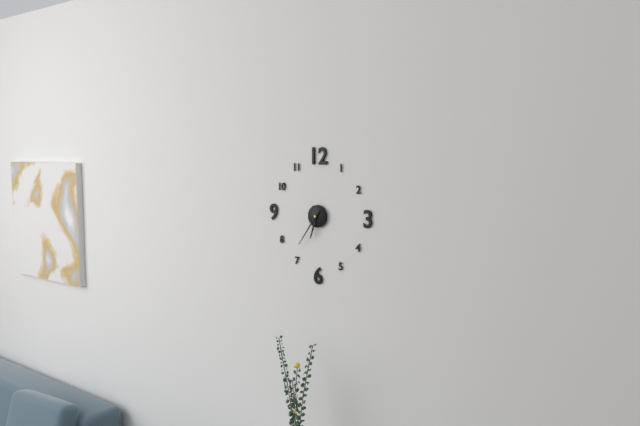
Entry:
h=6 m=36
